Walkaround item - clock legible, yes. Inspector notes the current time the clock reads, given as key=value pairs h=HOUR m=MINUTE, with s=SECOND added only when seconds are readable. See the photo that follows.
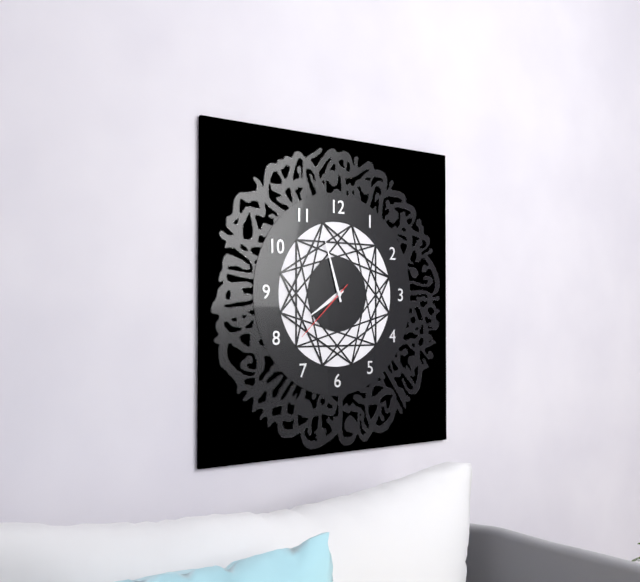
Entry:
h=7 m=57 s=38
